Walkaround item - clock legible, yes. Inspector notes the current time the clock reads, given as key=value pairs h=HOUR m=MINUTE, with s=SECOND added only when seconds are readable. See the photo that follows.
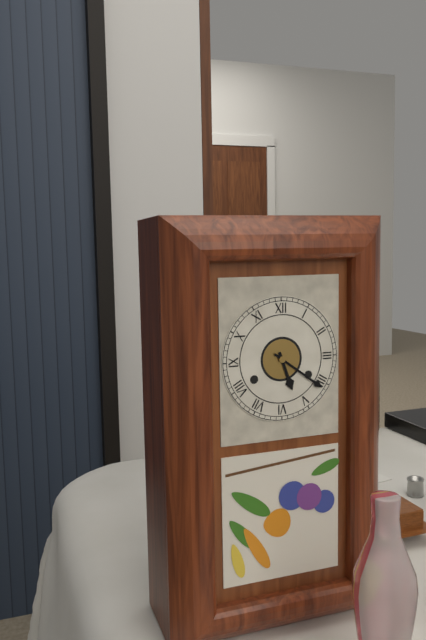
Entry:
h=5 m=21
